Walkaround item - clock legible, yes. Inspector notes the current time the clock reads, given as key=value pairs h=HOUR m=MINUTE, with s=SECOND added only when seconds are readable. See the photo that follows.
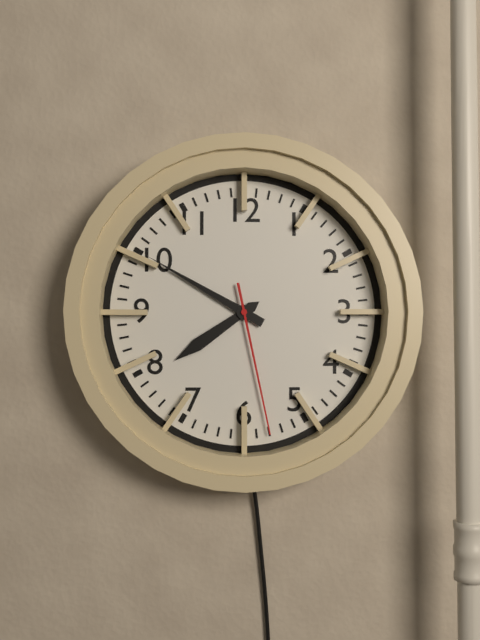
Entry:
h=7 m=50 s=28
